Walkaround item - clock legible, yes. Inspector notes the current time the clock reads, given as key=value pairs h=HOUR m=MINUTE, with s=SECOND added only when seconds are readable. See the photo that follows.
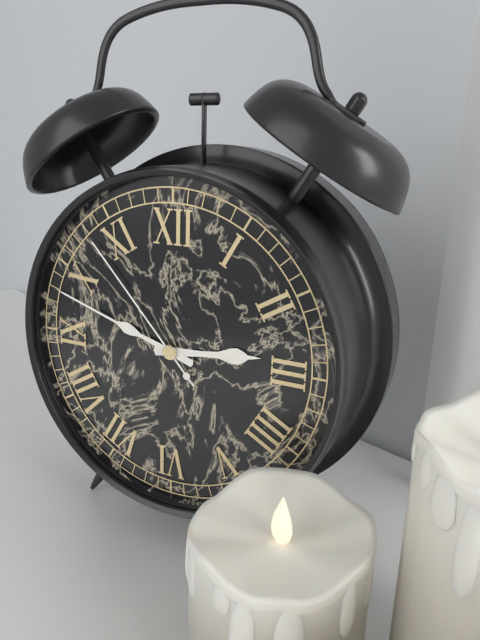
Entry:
h=2 m=48 s=53
